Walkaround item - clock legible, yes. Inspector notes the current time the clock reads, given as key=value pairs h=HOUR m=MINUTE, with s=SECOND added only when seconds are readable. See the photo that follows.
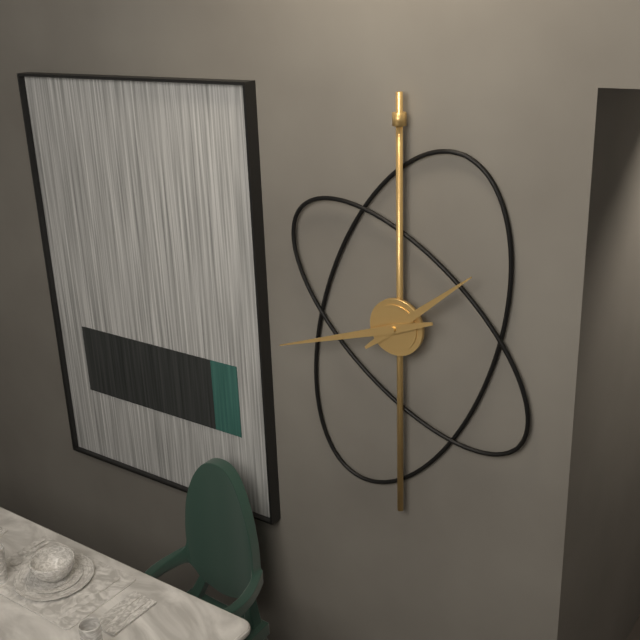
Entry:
h=1 m=42
